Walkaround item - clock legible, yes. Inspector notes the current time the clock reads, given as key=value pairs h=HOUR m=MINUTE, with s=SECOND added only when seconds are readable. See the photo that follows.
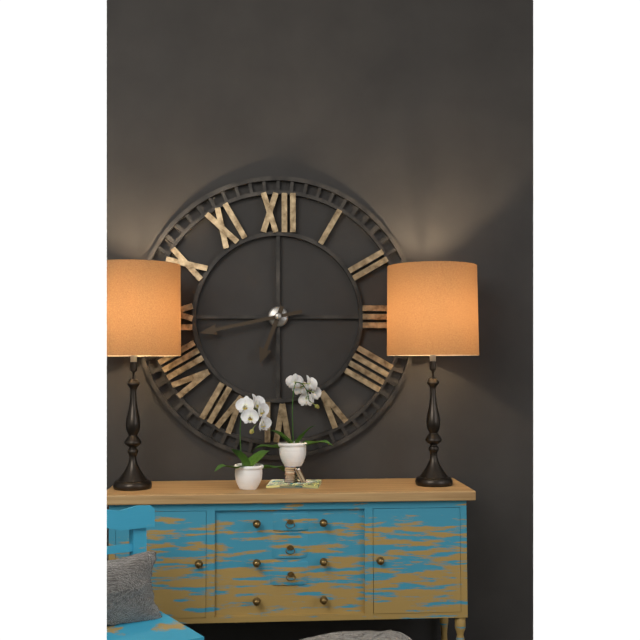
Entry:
h=6 m=43
